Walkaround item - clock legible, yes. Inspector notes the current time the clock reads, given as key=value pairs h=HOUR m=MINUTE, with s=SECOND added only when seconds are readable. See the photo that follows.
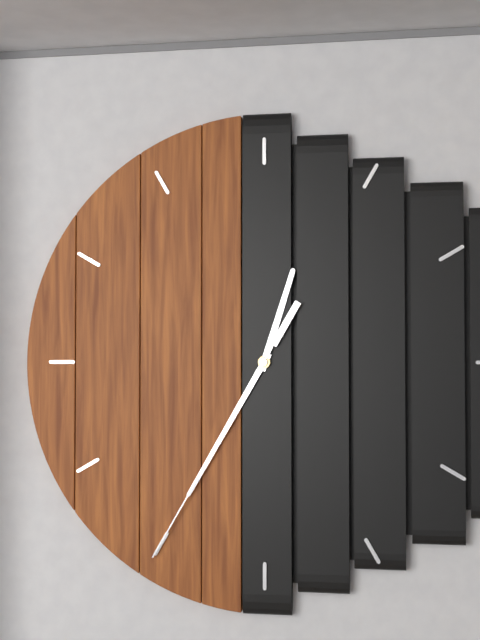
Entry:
h=12 m=35 s=35
